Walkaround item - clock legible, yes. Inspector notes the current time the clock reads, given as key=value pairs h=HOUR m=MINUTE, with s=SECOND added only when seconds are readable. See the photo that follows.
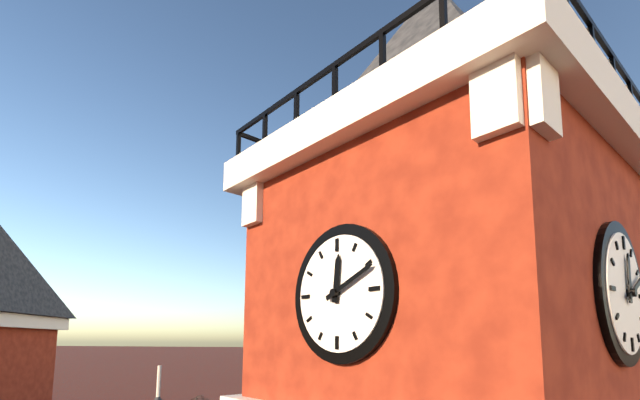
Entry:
h=12 m=11
